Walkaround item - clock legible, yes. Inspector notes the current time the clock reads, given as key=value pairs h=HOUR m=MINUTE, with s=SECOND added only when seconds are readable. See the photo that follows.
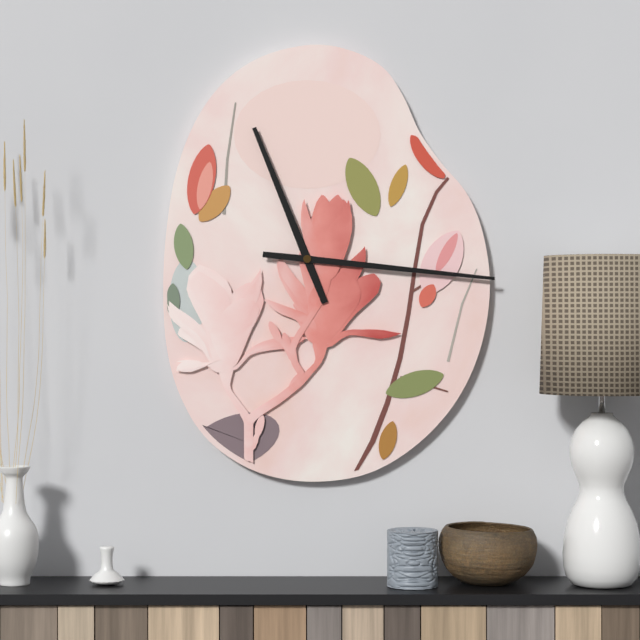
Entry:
h=11 m=16
